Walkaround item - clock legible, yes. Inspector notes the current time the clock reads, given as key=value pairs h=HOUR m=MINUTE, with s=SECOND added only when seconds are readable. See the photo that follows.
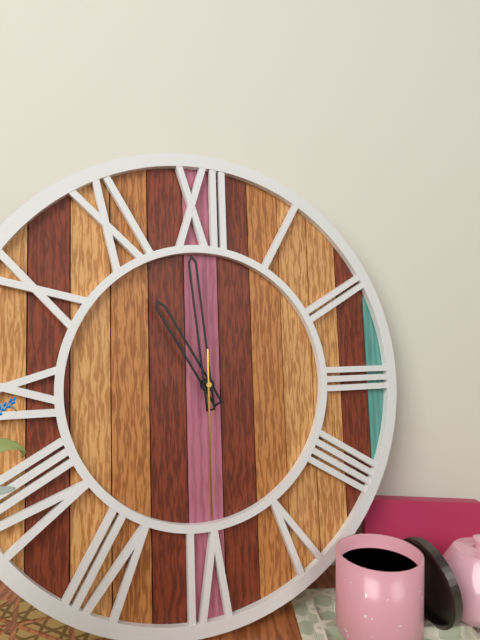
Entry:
h=10 m=59 s=30
